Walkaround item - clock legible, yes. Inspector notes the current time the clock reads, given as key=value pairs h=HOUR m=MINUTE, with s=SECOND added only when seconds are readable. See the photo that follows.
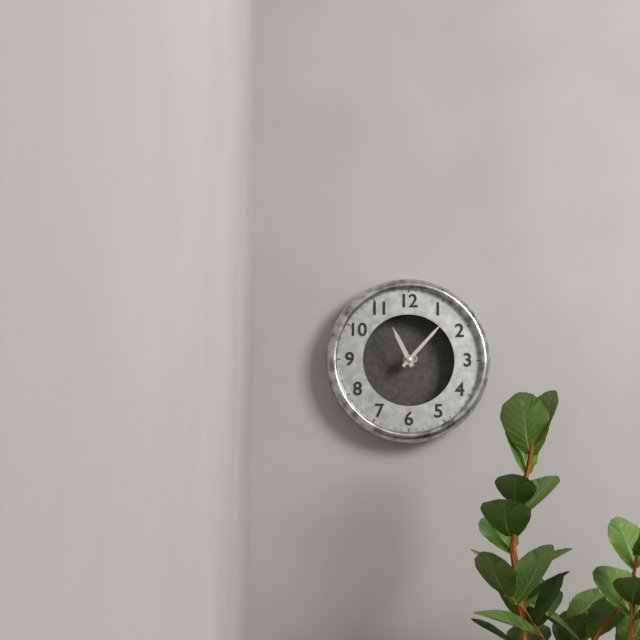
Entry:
h=11 m=7
